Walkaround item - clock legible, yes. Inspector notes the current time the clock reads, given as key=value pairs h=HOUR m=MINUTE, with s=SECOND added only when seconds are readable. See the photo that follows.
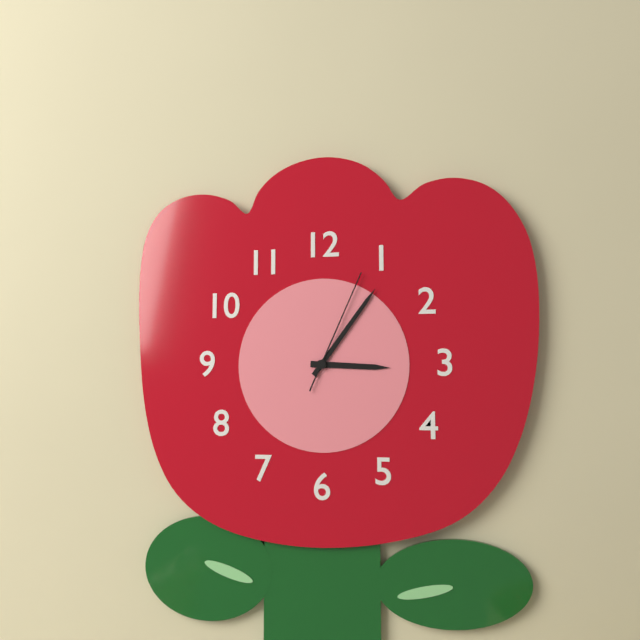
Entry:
h=3 m=6 s=4
